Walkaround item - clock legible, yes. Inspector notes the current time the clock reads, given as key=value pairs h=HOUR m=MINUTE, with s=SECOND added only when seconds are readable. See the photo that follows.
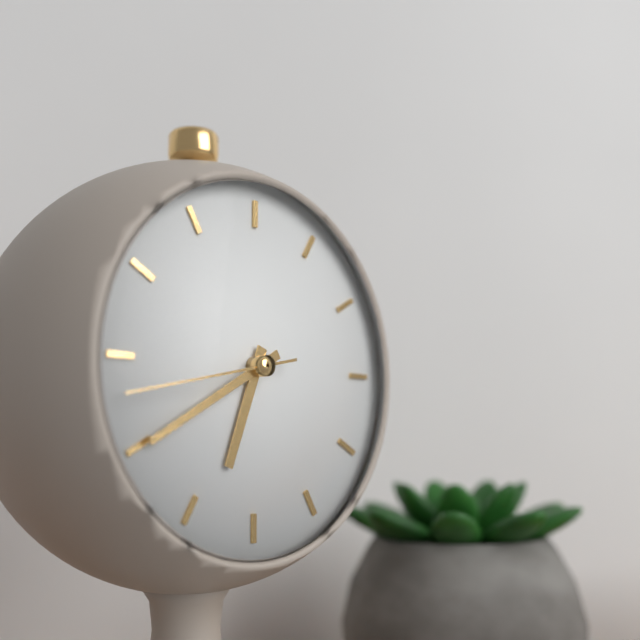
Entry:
h=6 m=40 s=43
